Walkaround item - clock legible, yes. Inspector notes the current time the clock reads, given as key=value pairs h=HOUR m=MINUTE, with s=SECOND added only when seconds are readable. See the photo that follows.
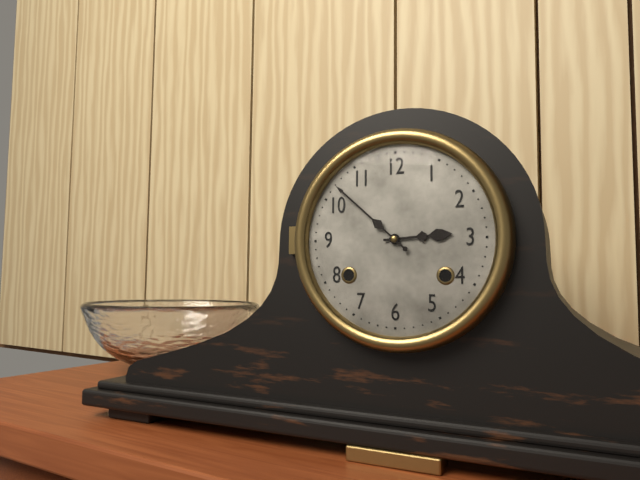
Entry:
h=2 m=52
